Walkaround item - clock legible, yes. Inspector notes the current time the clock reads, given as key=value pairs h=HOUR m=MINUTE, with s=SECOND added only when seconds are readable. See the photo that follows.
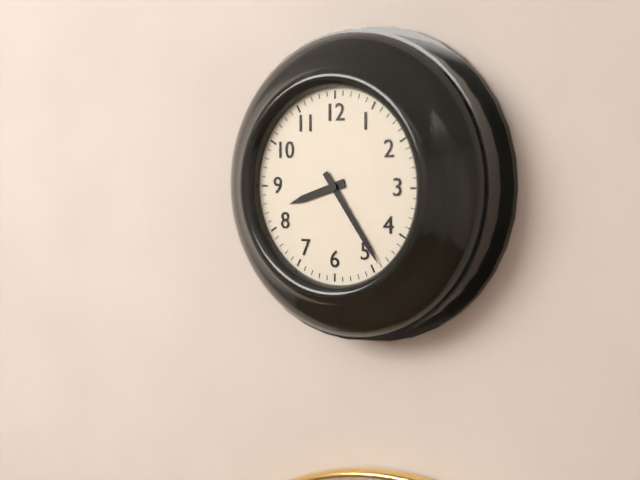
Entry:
h=8 m=24
